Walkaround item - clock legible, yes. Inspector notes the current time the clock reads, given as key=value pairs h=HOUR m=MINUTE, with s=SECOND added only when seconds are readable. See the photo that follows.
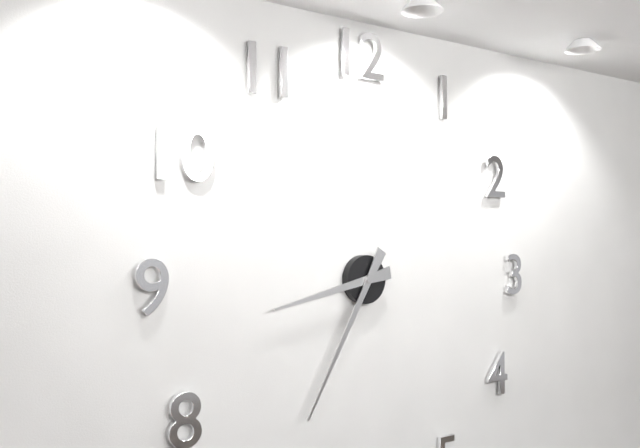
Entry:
h=8 m=35
